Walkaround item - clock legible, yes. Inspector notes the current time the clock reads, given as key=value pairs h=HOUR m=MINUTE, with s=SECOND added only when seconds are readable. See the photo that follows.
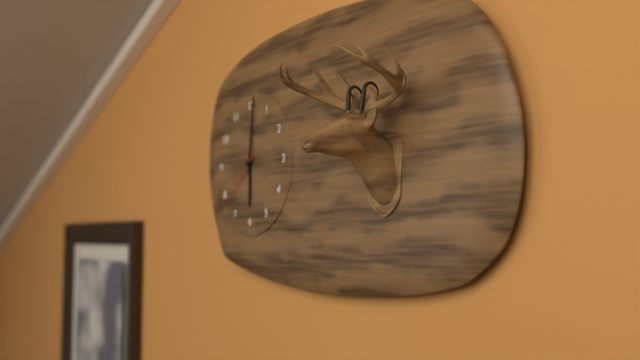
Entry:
h=6 m=1 s=38
